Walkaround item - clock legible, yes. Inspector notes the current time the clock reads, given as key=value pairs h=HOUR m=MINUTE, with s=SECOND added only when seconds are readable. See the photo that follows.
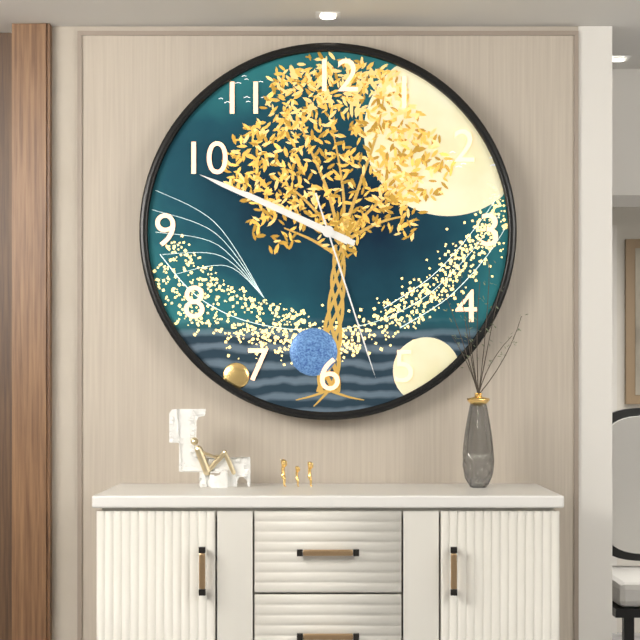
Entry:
h=9 m=49 s=27
